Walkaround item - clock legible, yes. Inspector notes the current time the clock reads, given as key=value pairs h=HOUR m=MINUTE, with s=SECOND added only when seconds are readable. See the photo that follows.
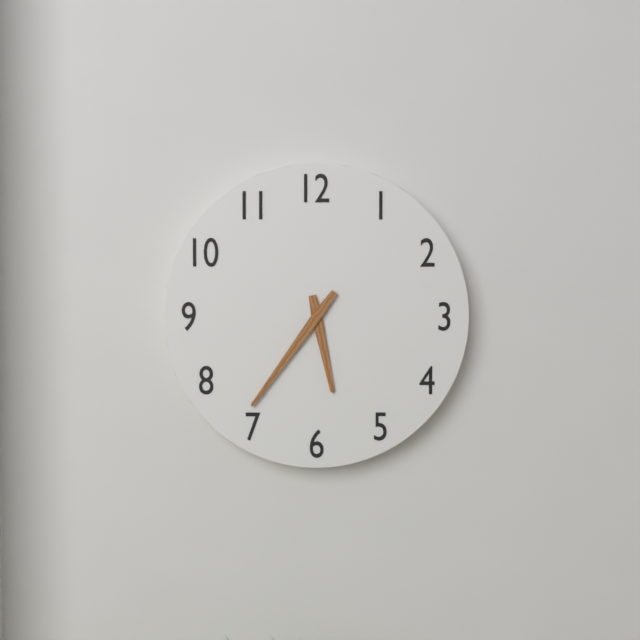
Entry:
h=5 m=36
